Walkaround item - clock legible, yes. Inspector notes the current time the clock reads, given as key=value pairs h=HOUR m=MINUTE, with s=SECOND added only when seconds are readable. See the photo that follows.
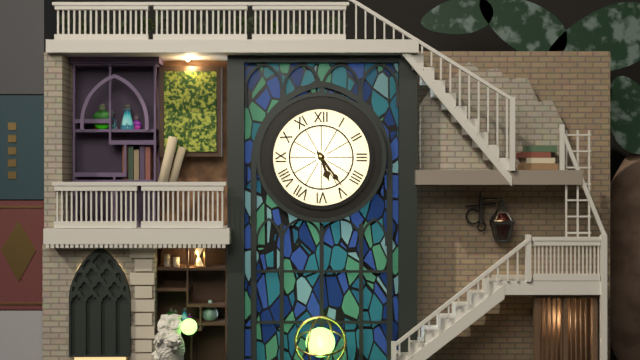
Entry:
h=5 m=24
